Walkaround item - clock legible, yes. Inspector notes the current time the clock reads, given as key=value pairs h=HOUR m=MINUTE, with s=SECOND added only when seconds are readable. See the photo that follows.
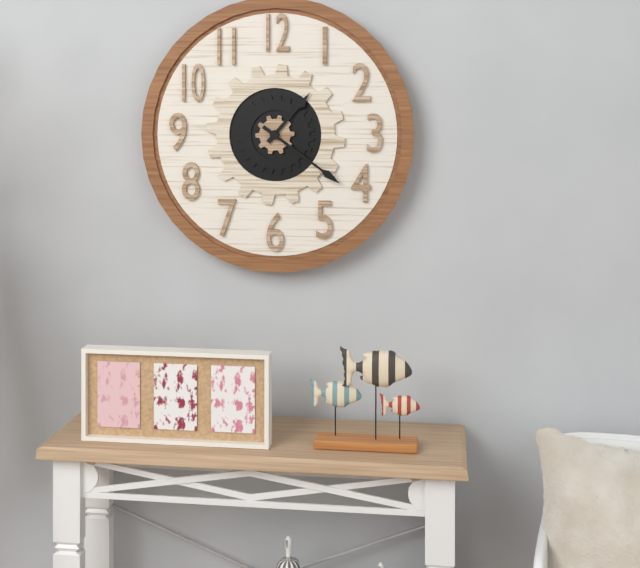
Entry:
h=1 m=21
